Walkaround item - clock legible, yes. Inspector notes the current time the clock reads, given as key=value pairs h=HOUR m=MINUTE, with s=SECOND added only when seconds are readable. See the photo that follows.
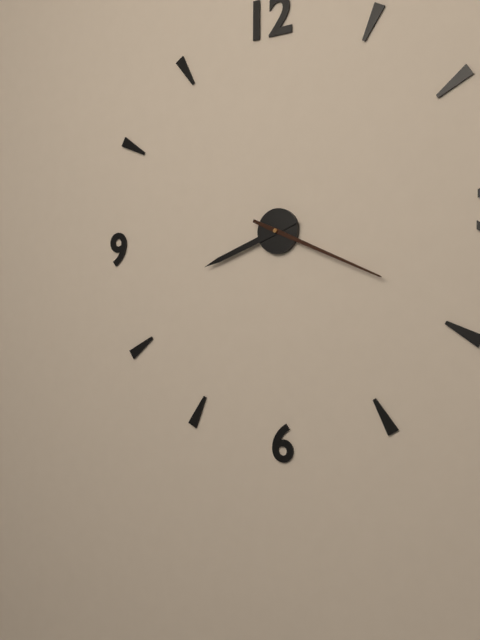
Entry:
h=8 m=19
